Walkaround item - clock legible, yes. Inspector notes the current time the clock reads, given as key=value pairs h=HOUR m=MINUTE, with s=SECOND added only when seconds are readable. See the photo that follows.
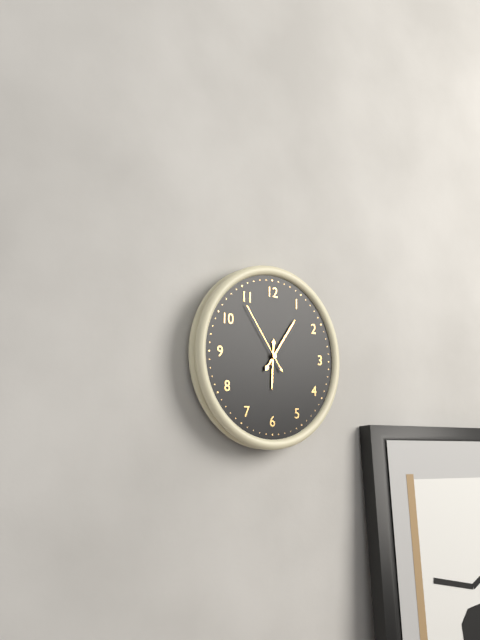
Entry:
h=6 m=6 s=54
